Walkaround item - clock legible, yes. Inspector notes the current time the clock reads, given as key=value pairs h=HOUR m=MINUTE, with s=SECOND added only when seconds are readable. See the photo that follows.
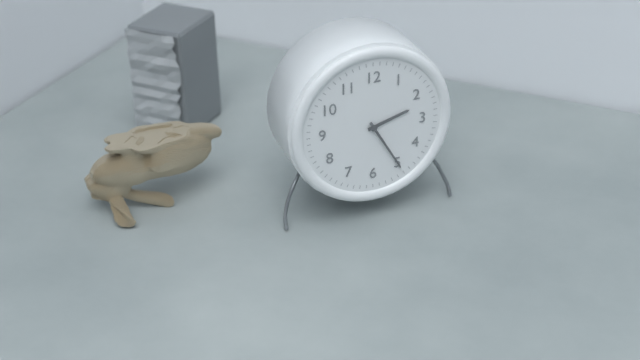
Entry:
h=2 m=25
